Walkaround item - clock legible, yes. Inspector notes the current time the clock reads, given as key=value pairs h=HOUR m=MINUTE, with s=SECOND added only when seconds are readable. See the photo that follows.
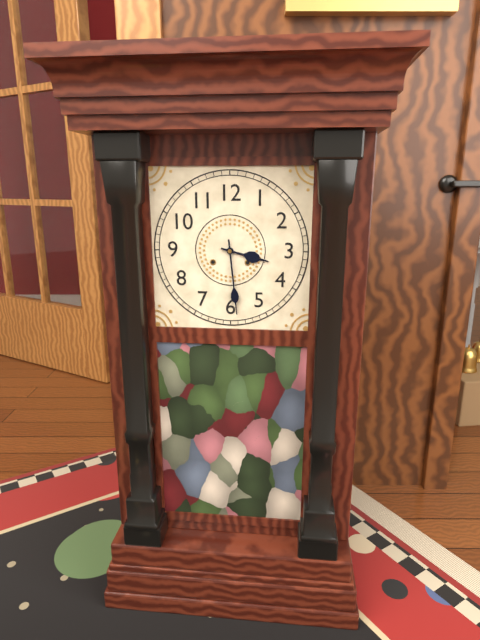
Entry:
h=3 m=29
